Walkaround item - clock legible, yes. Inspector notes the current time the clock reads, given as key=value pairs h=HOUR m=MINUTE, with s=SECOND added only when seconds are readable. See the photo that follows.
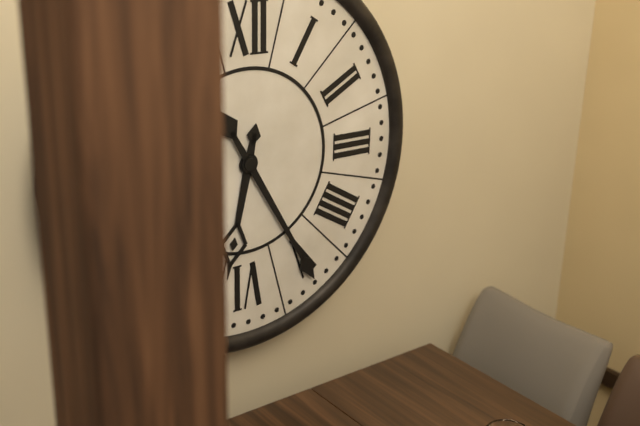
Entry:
h=6 m=25
